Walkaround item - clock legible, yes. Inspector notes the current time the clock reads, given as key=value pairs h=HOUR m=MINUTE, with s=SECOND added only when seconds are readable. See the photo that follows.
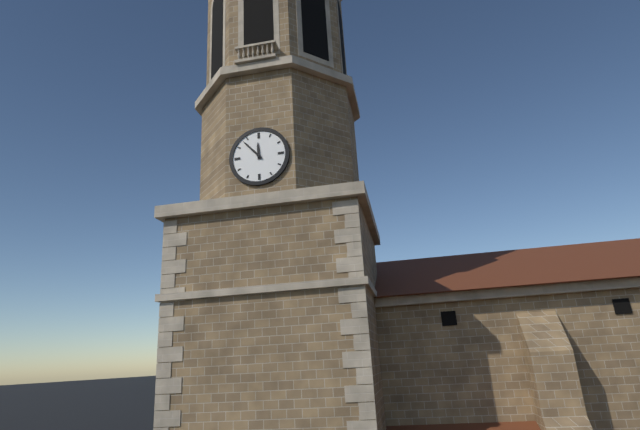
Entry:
h=11 m=53
